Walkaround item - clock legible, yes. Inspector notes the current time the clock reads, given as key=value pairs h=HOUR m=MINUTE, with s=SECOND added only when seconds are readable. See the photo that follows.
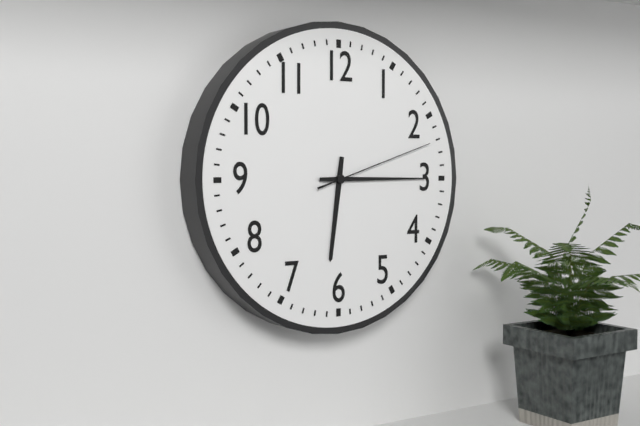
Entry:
h=6 m=15 s=12
